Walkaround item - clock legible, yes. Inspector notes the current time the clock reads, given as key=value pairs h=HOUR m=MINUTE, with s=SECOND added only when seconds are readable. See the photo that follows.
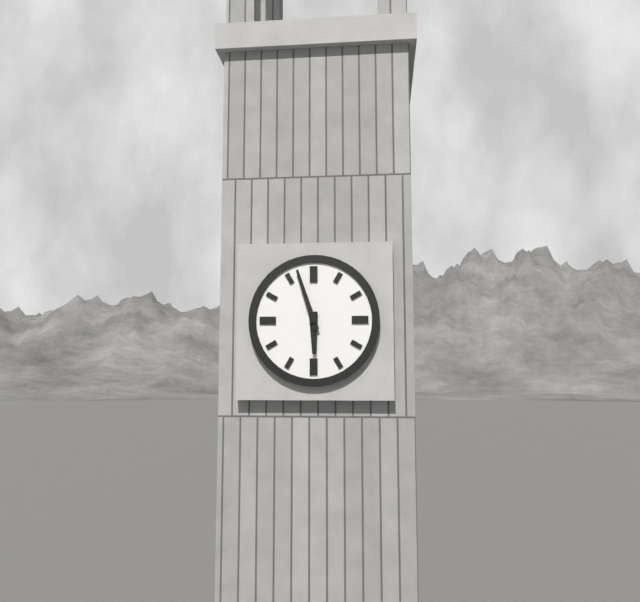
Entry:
h=5 m=57
